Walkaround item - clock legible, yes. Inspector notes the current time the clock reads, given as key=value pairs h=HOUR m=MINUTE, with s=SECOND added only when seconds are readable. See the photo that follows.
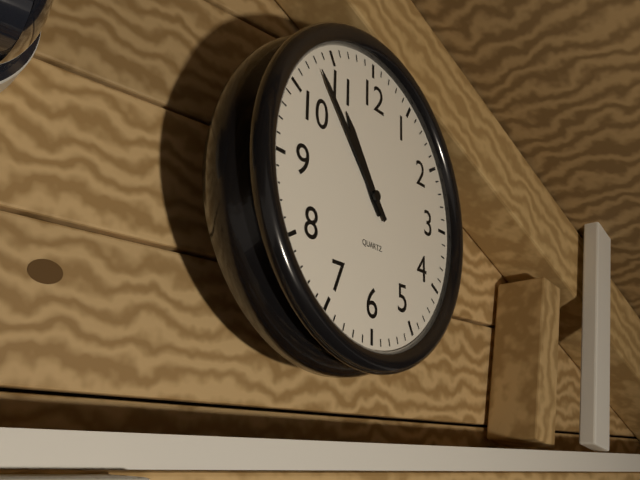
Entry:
h=10 m=53
